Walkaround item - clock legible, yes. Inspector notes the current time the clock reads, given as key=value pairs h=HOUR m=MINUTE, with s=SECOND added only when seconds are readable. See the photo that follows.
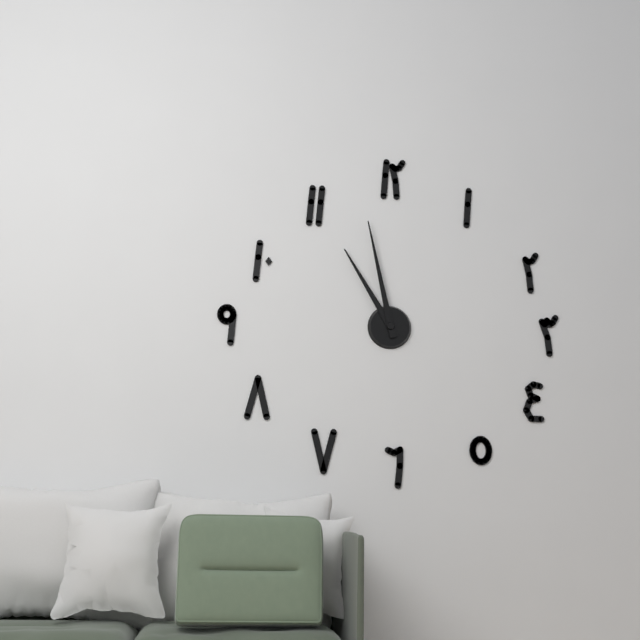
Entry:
h=10 m=58
